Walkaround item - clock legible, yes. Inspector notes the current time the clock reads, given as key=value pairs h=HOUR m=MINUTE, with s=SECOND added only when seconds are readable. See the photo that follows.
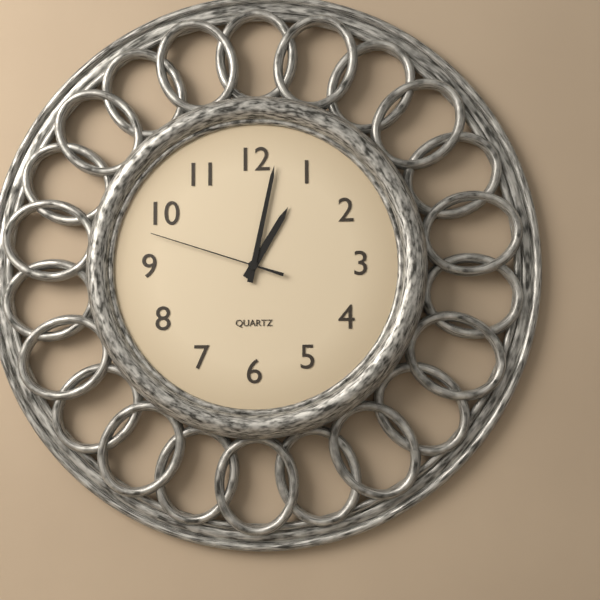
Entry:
h=1 m=2 s=48
